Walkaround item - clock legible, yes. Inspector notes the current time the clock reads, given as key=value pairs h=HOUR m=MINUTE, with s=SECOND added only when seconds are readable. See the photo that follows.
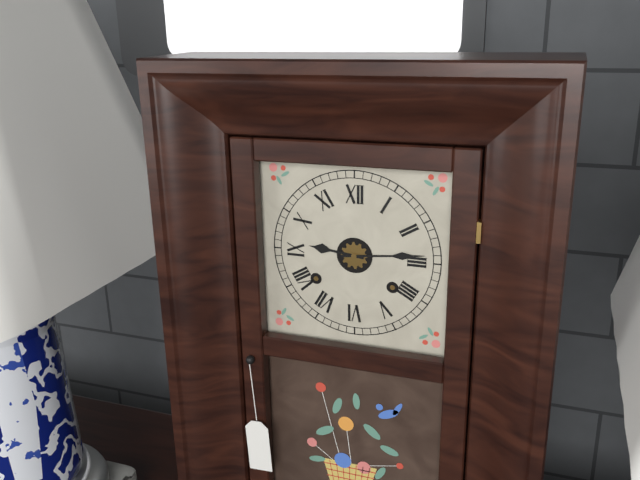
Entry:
h=9 m=14
